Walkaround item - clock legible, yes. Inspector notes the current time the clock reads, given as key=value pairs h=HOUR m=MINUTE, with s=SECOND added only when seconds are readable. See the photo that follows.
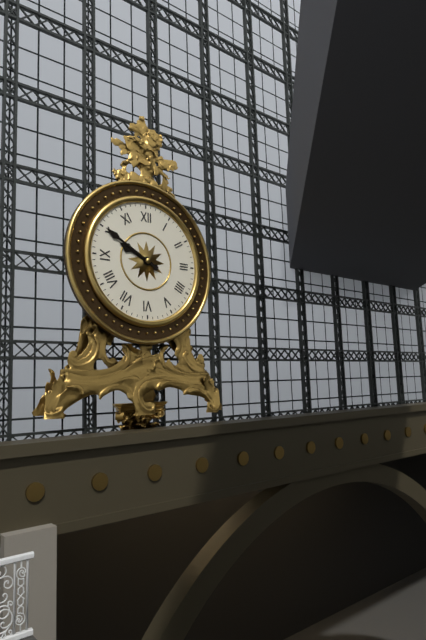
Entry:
h=9 m=50
